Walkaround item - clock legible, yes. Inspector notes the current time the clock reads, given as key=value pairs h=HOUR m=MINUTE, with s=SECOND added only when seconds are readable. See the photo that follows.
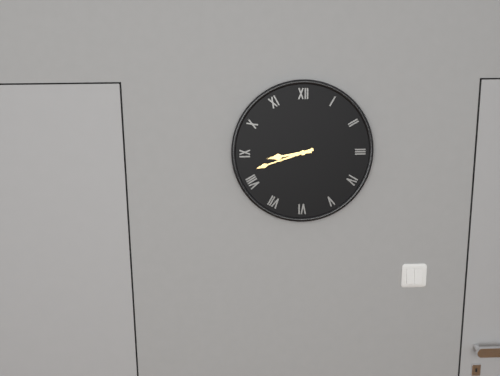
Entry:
h=8 m=42
